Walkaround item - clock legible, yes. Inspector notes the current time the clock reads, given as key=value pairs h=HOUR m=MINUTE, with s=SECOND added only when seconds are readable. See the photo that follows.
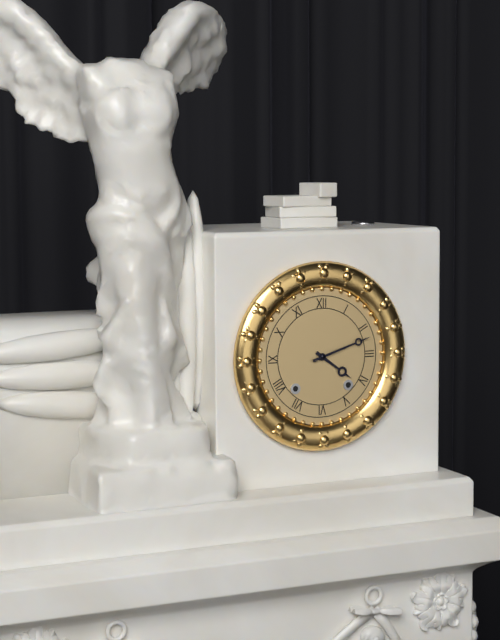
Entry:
h=4 m=12
